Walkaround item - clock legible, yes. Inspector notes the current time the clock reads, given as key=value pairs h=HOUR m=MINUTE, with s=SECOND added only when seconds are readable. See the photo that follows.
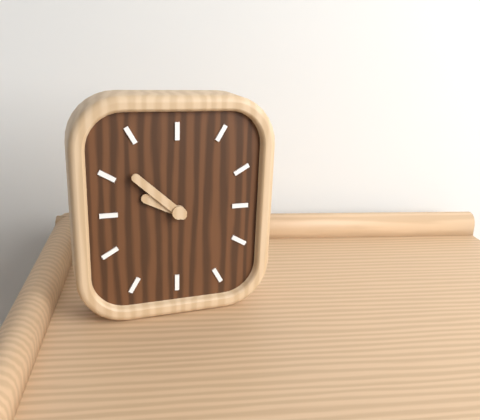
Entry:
h=9 m=52
